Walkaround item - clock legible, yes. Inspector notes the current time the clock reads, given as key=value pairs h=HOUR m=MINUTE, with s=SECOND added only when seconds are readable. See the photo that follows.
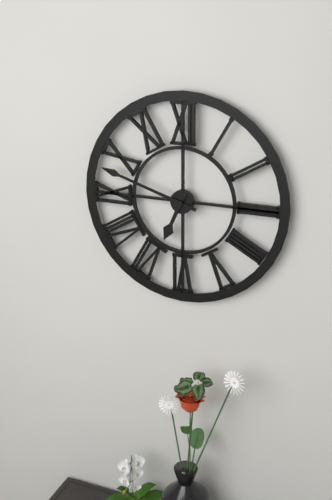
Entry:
h=6 m=48
